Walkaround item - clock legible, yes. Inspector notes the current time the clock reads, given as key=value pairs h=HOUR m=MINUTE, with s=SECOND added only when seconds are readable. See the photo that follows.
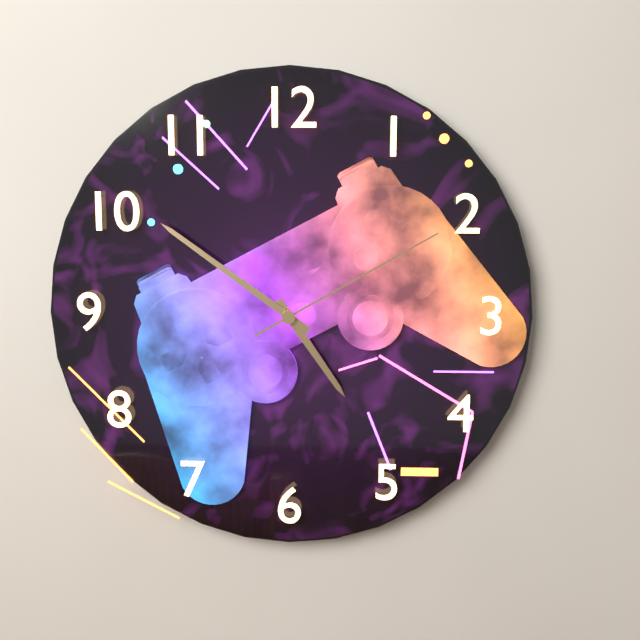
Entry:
h=4 m=51 s=10
